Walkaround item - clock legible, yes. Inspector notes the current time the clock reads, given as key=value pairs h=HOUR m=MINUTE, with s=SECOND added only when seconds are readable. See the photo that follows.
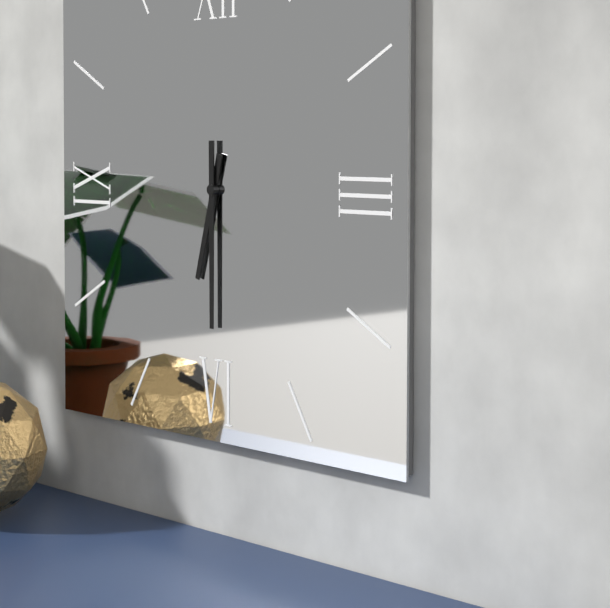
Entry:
h=6 m=30
